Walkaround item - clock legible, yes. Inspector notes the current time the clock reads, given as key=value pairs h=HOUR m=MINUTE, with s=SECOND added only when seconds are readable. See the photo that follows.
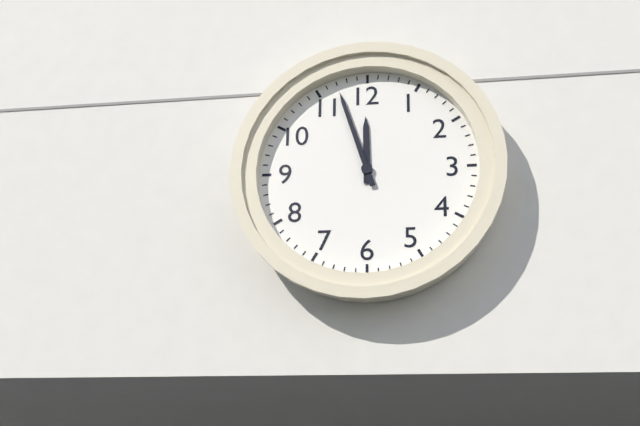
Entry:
h=11 m=57
